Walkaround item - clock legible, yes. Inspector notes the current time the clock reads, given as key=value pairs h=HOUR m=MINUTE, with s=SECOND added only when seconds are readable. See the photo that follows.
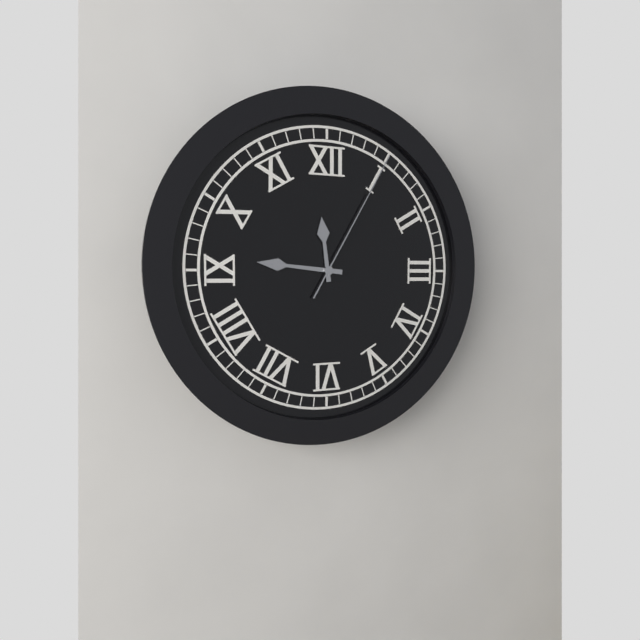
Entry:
h=11 m=46 s=5
